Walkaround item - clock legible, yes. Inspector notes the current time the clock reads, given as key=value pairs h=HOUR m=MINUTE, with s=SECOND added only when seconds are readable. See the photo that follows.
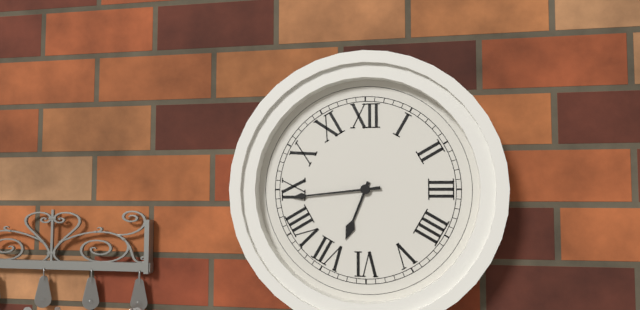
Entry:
h=6 m=44
